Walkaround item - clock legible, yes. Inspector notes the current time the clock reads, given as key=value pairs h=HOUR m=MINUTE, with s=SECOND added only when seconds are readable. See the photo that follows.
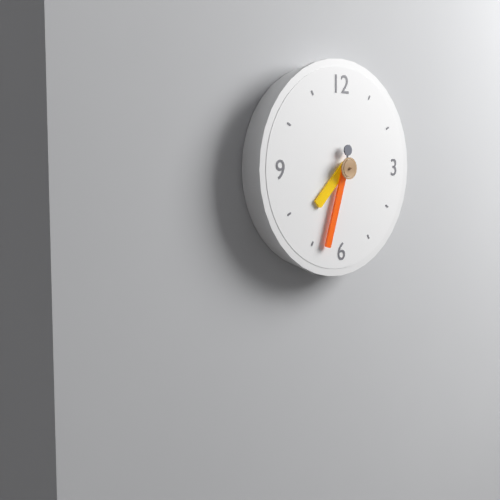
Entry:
h=7 m=33
